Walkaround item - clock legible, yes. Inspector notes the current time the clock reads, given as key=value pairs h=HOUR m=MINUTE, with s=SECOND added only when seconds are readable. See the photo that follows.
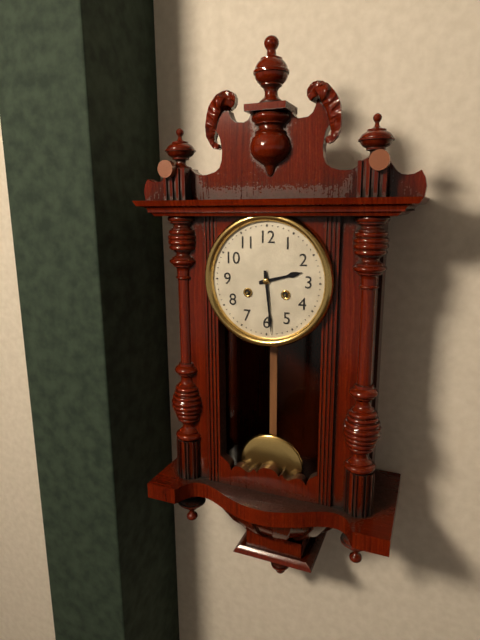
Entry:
h=2 m=29
